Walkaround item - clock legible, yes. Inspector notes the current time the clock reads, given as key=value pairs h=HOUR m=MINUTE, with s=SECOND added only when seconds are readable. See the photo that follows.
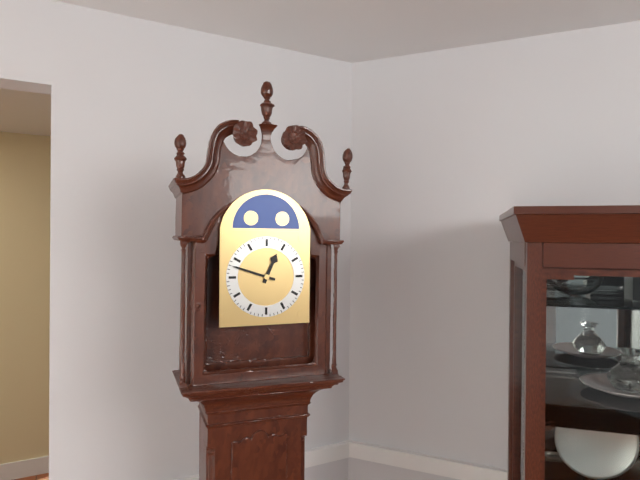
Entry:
h=12 m=48
